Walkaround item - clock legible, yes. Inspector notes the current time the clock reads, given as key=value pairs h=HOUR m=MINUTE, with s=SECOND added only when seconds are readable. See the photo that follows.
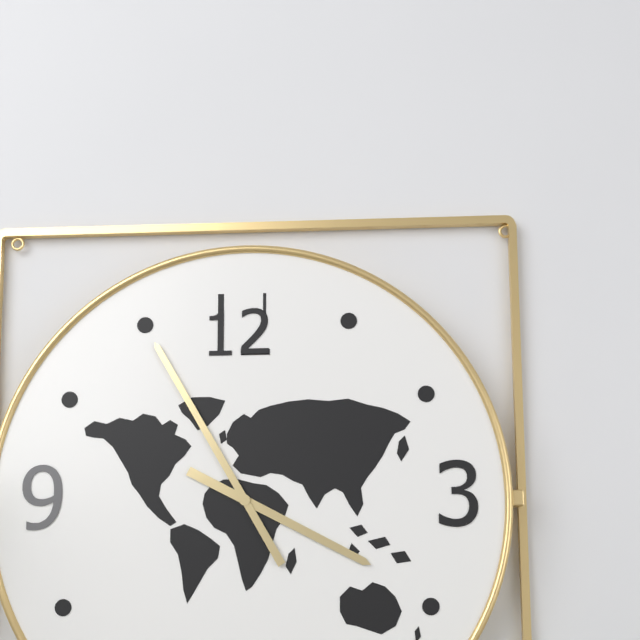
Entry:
h=3 m=55
